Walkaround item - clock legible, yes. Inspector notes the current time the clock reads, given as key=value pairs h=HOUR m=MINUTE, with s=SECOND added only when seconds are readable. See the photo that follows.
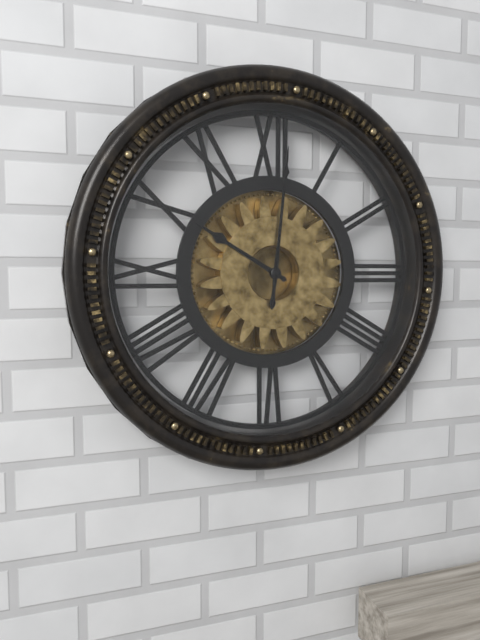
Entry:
h=10 m=1
